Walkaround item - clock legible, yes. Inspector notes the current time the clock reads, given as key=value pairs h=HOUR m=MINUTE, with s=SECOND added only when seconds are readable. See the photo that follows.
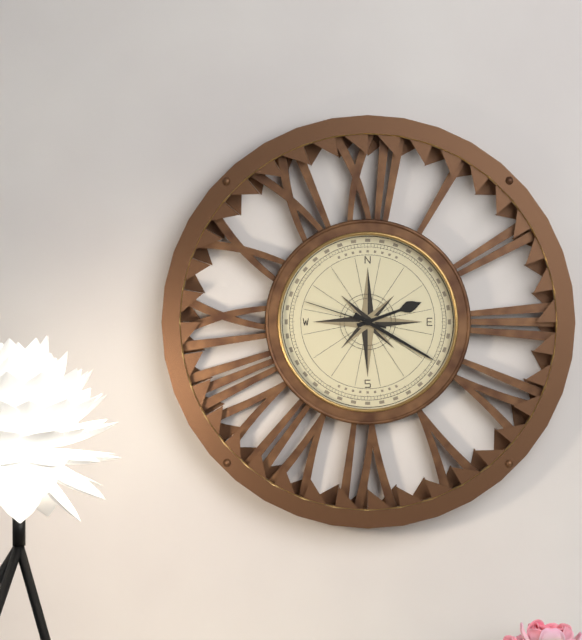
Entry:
h=2 m=20 s=48
